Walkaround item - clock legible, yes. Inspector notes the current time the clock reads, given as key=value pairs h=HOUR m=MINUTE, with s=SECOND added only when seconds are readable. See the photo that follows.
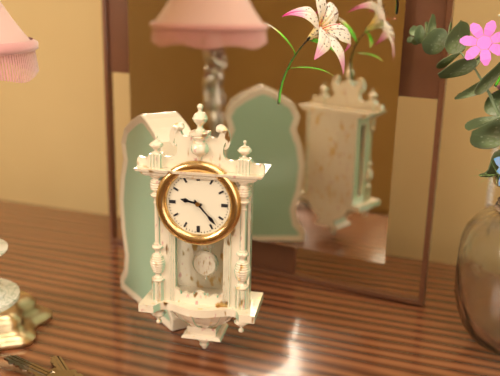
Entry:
h=9 m=23
